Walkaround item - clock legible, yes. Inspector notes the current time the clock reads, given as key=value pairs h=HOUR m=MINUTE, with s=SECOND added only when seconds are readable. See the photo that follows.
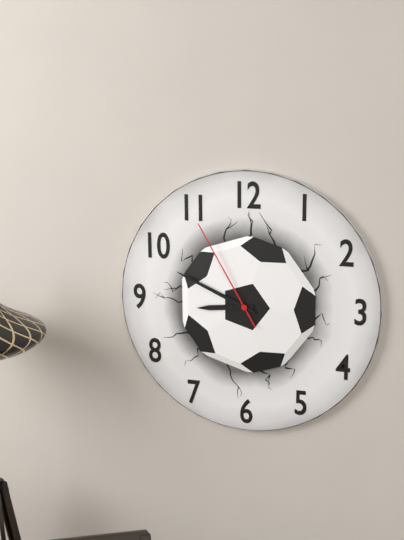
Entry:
h=8 m=49 s=55
